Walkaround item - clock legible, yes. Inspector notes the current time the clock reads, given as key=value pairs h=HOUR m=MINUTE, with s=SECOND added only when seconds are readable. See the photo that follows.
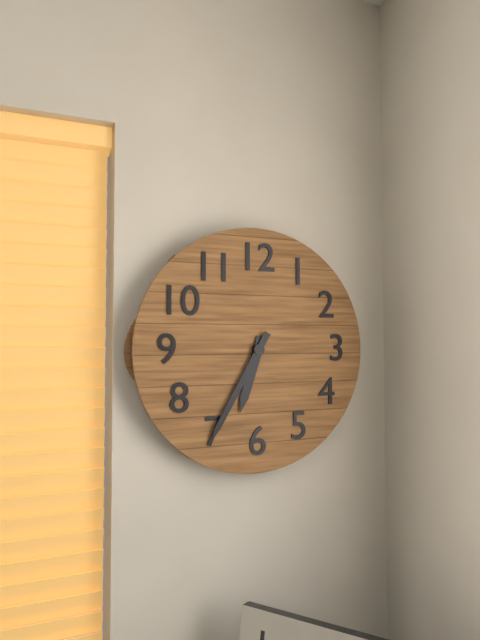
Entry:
h=6 m=35
